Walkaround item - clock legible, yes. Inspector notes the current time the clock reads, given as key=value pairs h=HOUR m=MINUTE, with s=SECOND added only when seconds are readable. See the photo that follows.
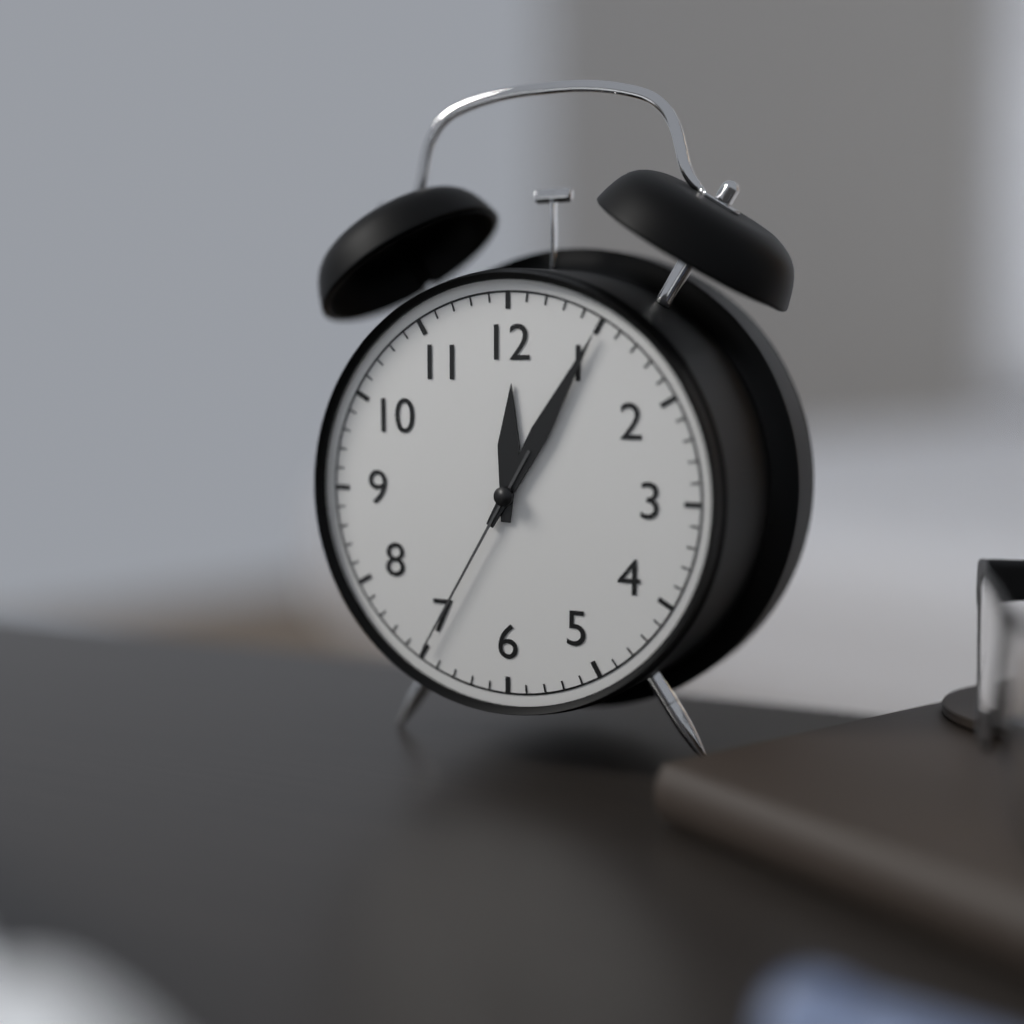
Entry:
h=12 m=5 s=35
